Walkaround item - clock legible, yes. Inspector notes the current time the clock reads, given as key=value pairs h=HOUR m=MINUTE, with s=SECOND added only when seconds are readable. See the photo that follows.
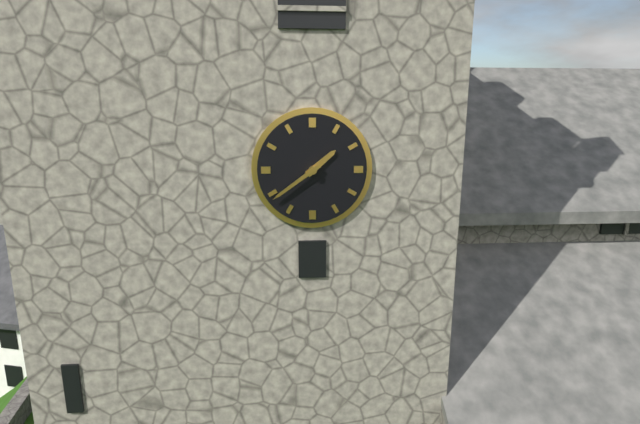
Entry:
h=1 m=39
